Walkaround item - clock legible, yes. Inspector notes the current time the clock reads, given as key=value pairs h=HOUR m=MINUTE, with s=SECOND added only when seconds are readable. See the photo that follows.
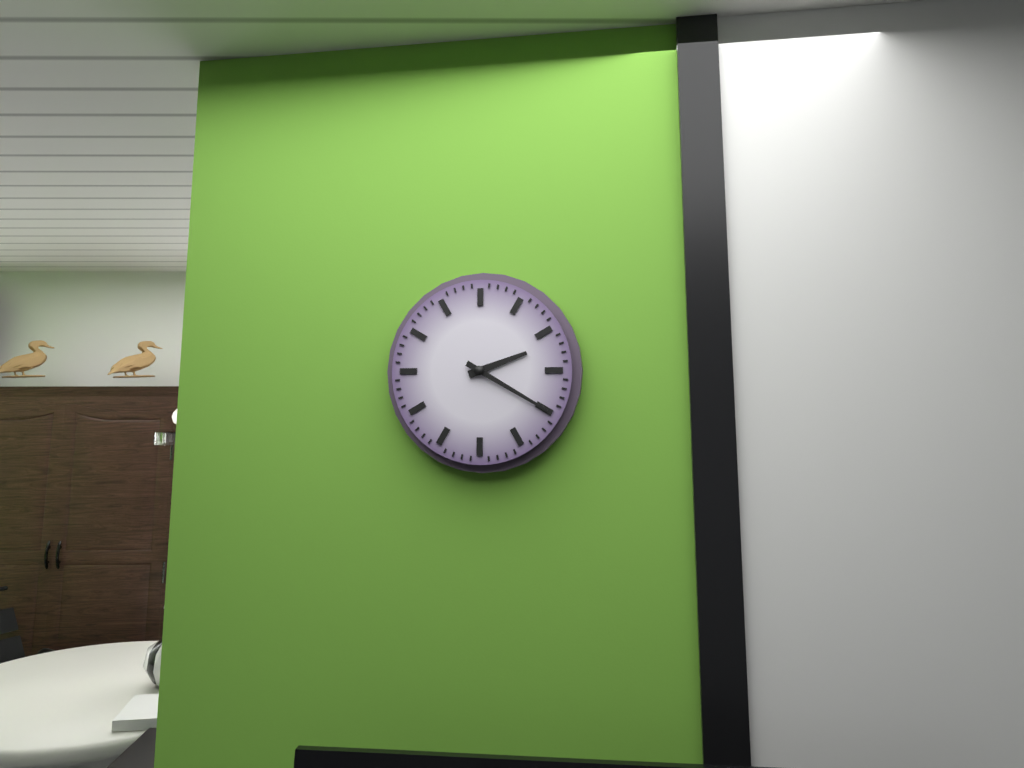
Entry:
h=2 m=20
